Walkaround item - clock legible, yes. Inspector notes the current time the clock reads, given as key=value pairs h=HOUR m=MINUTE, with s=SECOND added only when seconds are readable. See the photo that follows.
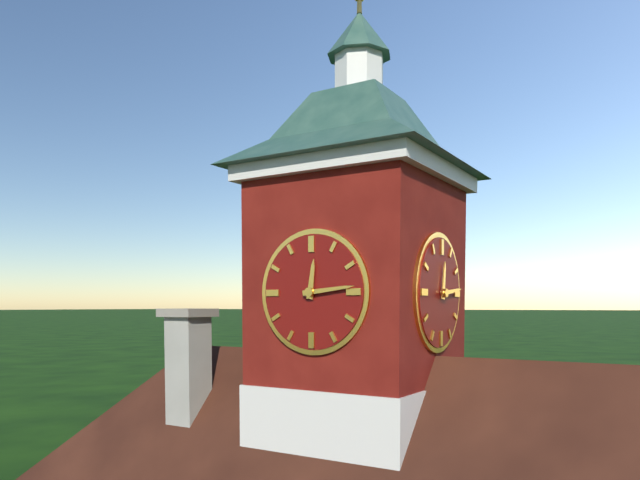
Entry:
h=12 m=14
